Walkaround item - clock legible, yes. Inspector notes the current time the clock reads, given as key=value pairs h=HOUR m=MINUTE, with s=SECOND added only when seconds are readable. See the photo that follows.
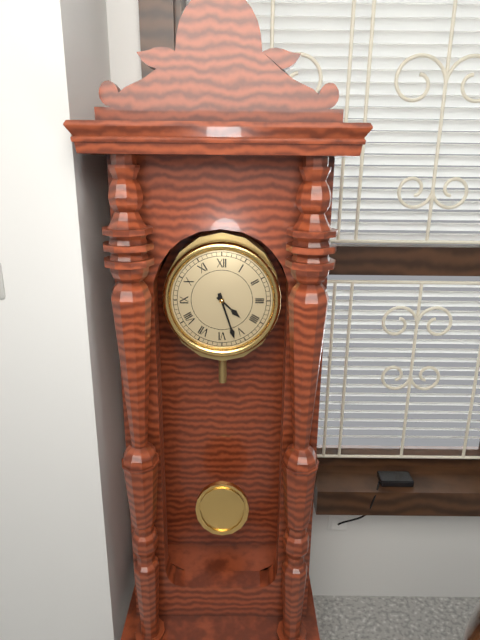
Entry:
h=4 m=27
